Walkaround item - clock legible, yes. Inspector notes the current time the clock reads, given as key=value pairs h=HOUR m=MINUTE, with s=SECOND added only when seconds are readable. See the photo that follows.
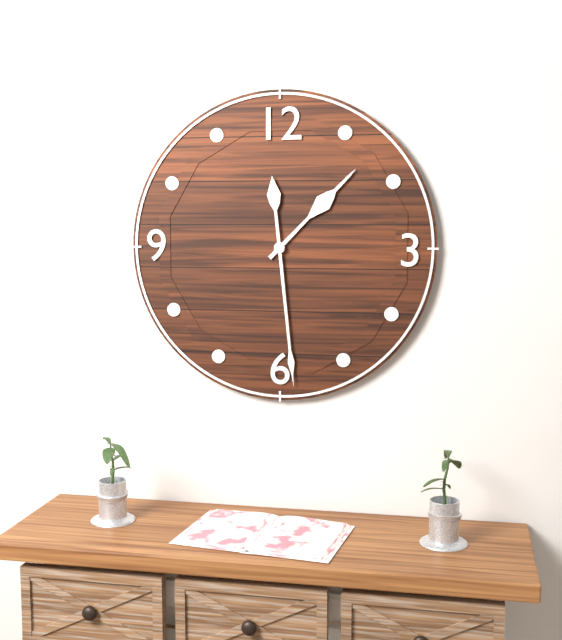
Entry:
h=1 m=29
